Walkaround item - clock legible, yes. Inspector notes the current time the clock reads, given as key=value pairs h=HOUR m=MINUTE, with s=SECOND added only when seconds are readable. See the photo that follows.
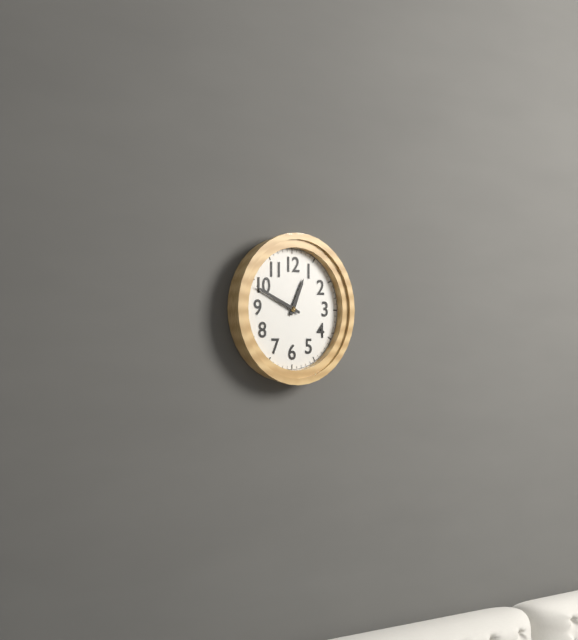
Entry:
h=12 m=49
